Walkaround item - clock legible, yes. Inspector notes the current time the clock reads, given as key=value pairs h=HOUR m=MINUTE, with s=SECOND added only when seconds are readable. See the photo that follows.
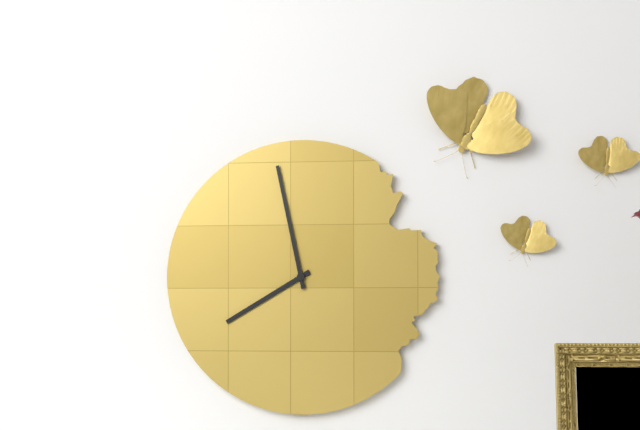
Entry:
h=7 m=58
